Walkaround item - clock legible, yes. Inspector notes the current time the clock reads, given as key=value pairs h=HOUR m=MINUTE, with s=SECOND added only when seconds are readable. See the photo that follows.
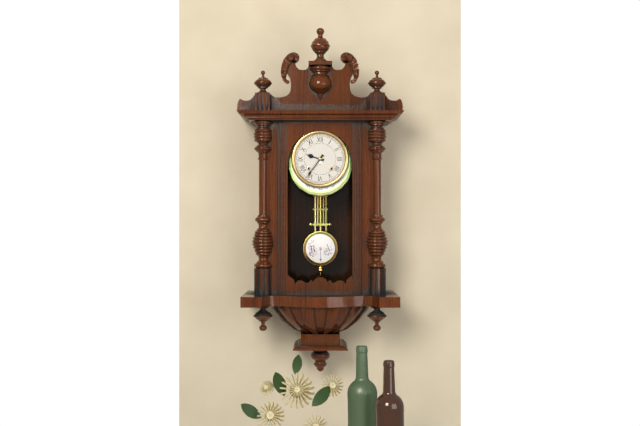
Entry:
h=9 m=36
